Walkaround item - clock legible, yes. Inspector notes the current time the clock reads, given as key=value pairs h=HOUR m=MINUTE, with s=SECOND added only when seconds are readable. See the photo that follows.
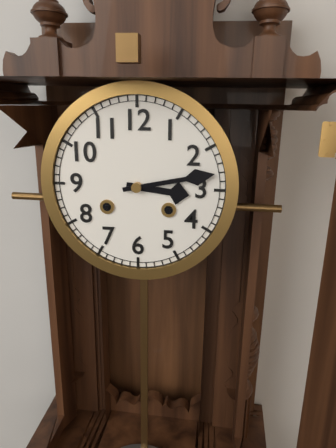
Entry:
h=3 m=13
